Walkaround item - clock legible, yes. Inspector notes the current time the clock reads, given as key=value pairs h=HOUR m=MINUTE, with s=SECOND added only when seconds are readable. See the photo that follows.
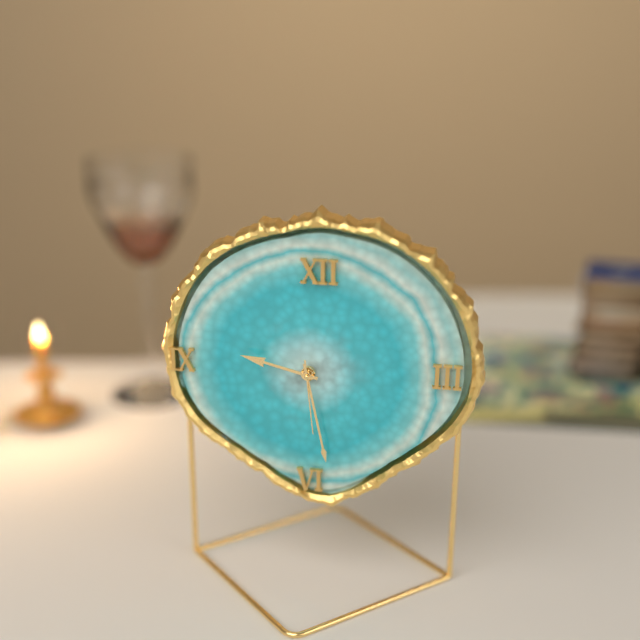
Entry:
h=9 m=28 s=29
